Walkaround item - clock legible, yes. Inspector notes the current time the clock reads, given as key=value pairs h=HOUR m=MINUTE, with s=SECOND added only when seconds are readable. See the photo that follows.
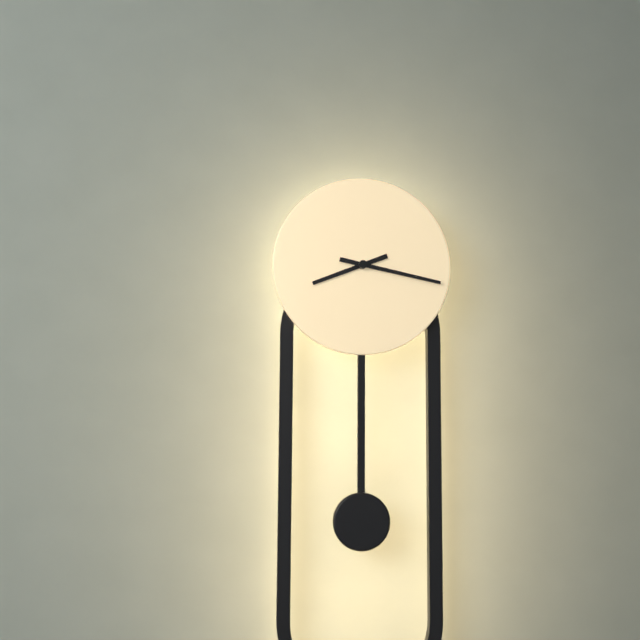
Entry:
h=8 m=17
